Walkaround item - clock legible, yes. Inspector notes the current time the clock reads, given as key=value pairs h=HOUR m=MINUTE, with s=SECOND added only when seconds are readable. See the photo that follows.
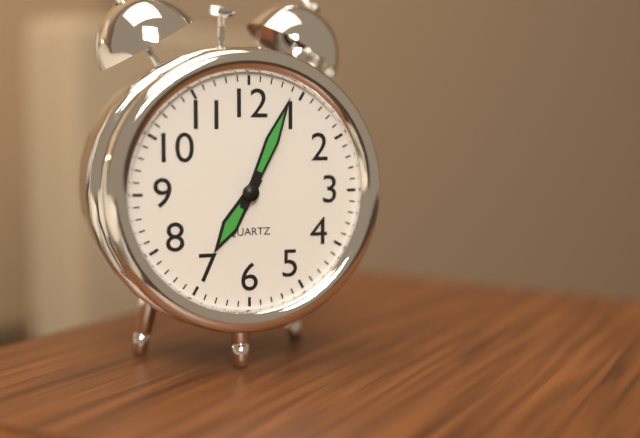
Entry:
h=7 m=4
